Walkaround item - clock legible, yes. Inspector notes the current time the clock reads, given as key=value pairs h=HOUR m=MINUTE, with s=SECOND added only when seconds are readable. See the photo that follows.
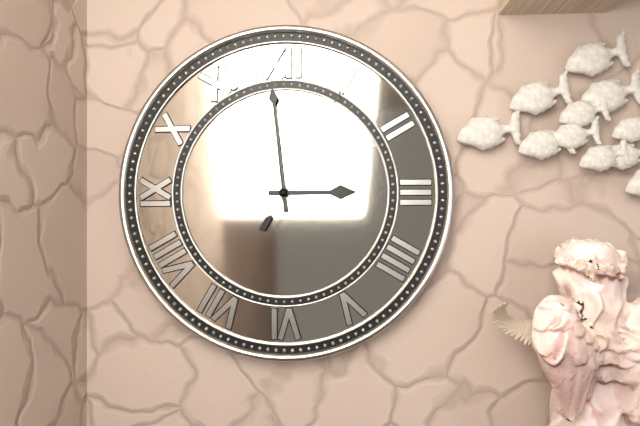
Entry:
h=2 m=59 s=5
